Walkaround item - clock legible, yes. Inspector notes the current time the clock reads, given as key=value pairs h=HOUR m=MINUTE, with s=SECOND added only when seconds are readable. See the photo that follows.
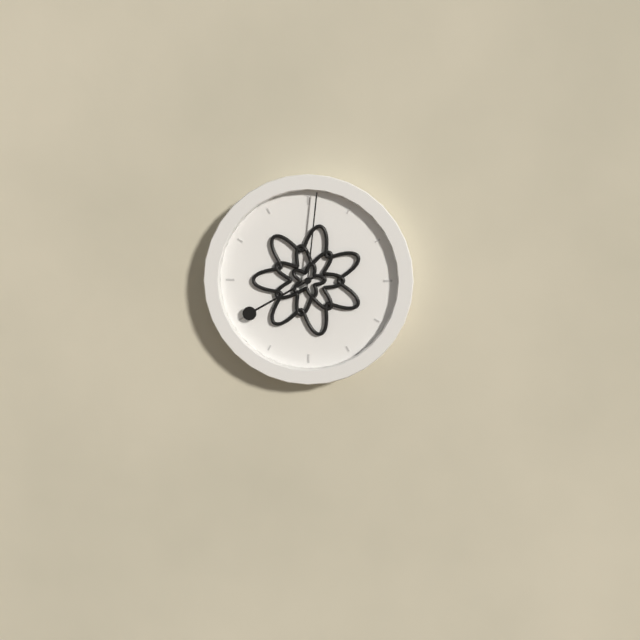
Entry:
h=8 m=1
